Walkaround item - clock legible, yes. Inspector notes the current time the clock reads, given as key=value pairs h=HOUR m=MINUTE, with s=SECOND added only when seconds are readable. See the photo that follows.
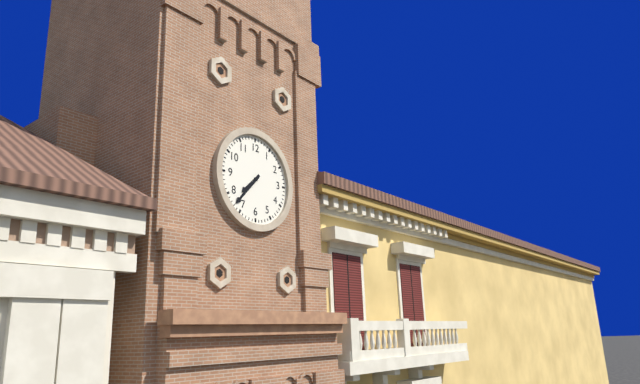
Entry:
h=7 m=37
